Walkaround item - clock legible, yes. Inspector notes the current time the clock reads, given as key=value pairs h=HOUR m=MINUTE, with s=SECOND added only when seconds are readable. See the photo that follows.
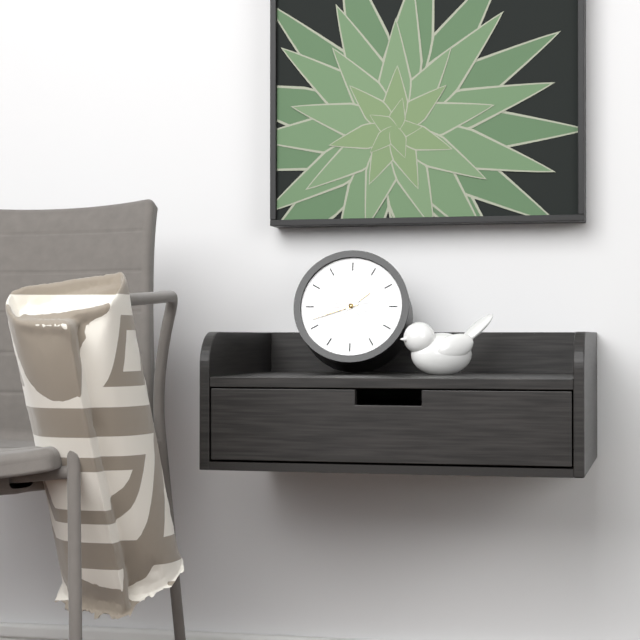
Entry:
h=1 m=42
